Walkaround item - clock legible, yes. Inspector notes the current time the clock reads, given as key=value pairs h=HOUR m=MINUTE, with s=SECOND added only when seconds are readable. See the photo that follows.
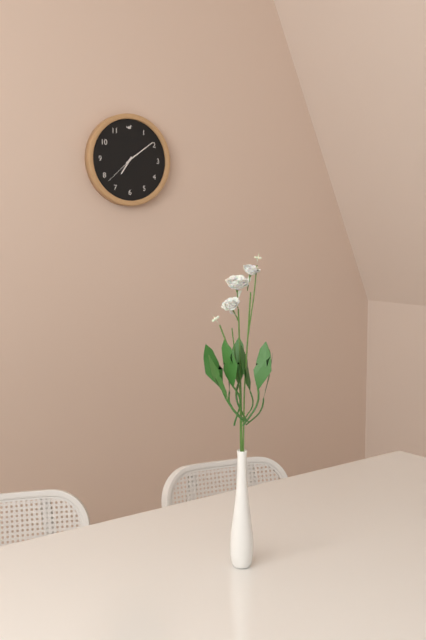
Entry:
h=7 m=9
